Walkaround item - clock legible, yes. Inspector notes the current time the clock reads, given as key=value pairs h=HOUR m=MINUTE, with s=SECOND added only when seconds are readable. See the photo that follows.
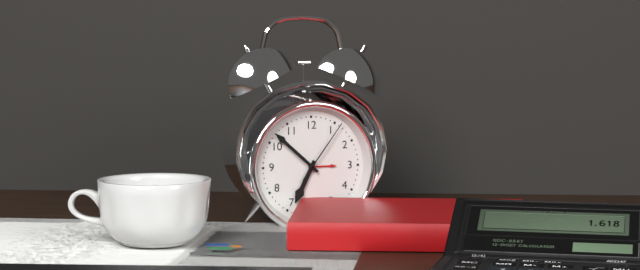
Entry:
h=6 m=52 s=6
